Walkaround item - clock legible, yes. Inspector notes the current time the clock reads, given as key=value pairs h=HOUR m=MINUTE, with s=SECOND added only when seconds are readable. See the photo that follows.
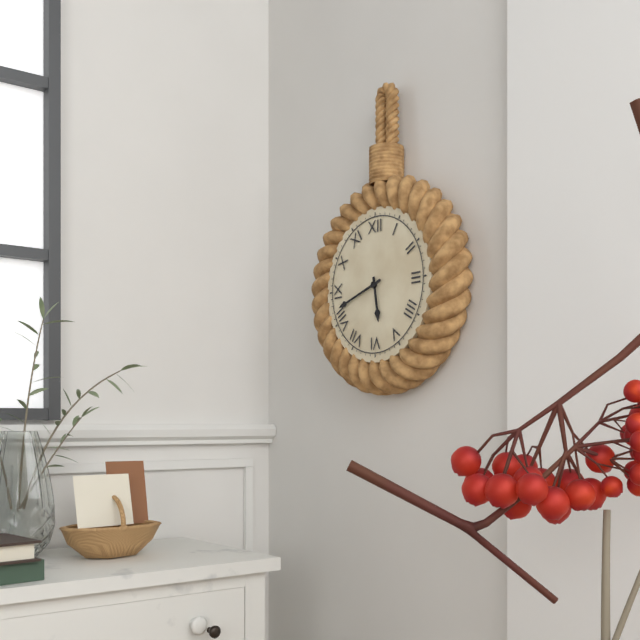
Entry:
h=5 m=42
